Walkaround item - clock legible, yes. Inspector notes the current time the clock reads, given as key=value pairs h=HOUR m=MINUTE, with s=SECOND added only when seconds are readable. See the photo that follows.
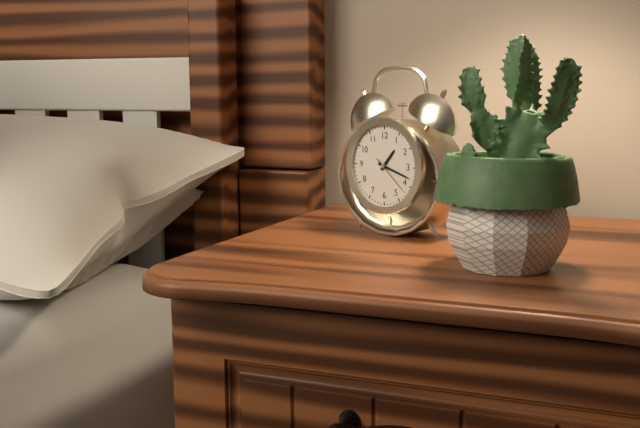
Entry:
h=1 m=18
